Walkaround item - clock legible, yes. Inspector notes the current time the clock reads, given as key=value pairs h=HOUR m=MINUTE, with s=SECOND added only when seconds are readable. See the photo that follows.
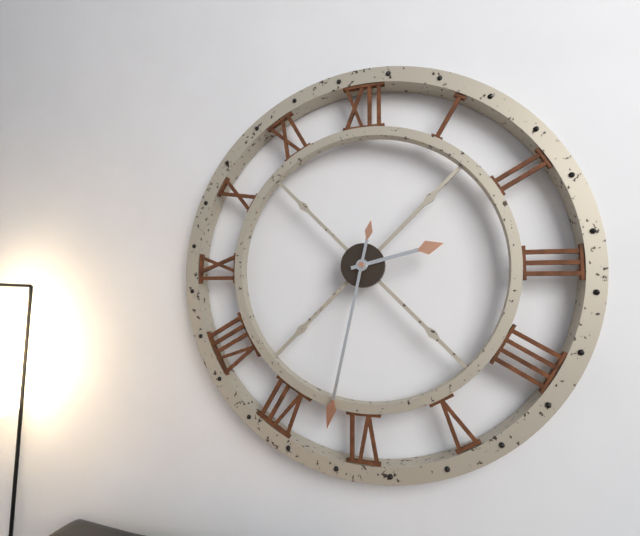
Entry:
h=2 m=32
